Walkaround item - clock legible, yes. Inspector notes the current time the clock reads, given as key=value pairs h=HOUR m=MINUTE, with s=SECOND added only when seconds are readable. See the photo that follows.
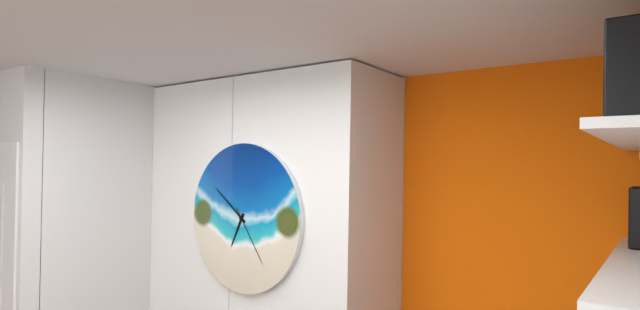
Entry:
h=6 m=51 s=24
